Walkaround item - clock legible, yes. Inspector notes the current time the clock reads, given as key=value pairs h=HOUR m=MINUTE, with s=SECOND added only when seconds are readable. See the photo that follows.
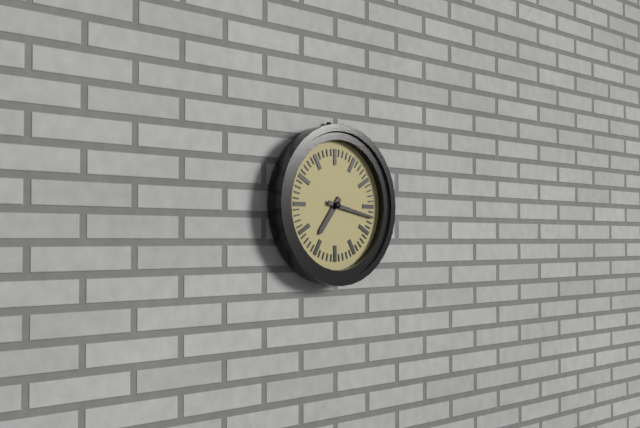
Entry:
h=7 m=17
